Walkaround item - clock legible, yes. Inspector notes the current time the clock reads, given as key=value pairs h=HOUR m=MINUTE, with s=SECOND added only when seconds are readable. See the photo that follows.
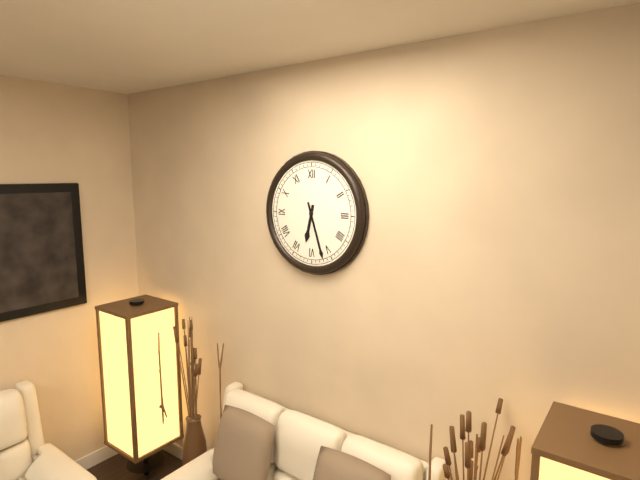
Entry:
h=6 m=27
